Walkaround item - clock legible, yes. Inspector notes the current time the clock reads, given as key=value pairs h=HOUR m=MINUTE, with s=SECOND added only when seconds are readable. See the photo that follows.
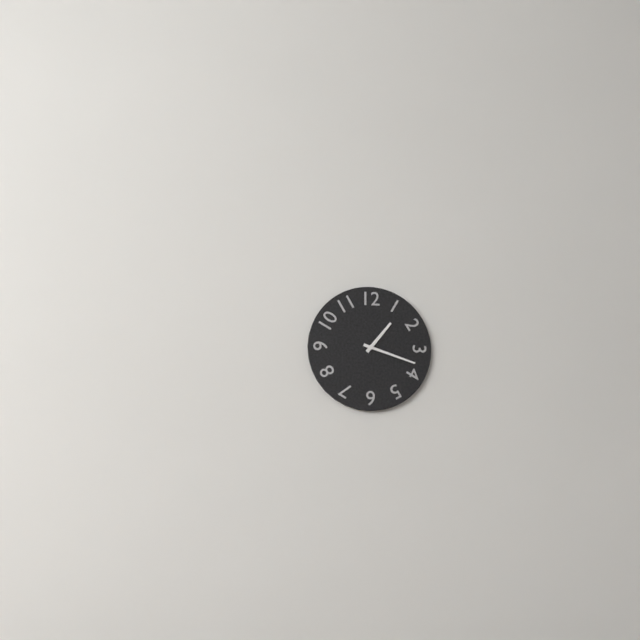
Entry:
h=1 m=18
